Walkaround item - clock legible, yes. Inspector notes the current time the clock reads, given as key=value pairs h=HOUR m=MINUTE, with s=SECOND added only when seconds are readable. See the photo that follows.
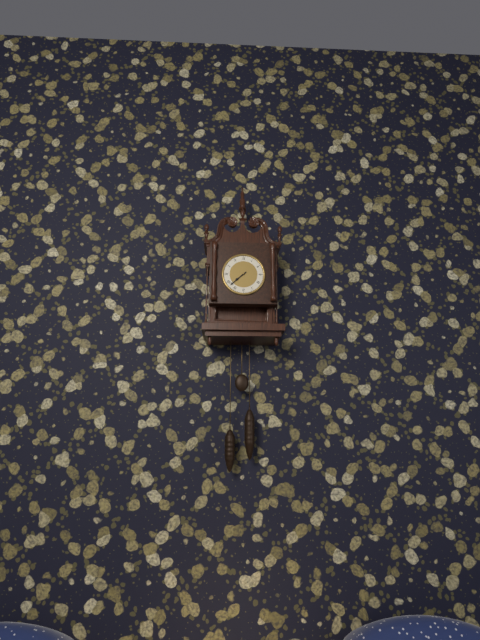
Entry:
h=7 m=38
